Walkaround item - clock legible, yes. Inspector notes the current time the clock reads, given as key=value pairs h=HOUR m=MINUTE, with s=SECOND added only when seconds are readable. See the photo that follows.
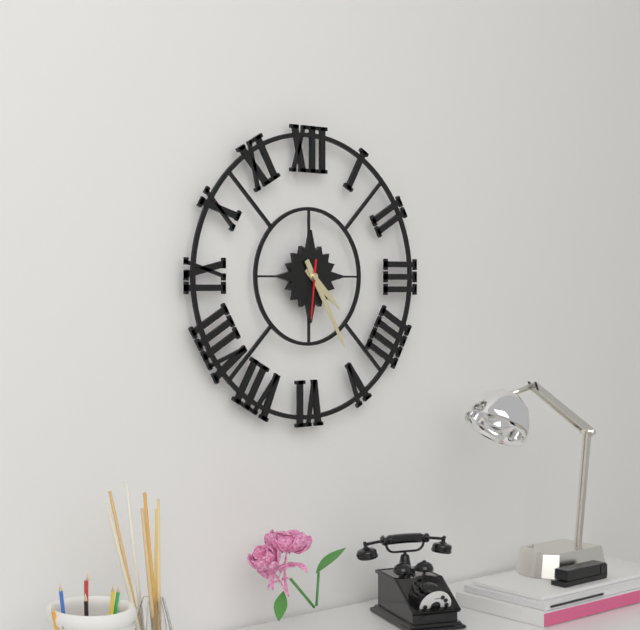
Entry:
h=4 m=25 s=31
